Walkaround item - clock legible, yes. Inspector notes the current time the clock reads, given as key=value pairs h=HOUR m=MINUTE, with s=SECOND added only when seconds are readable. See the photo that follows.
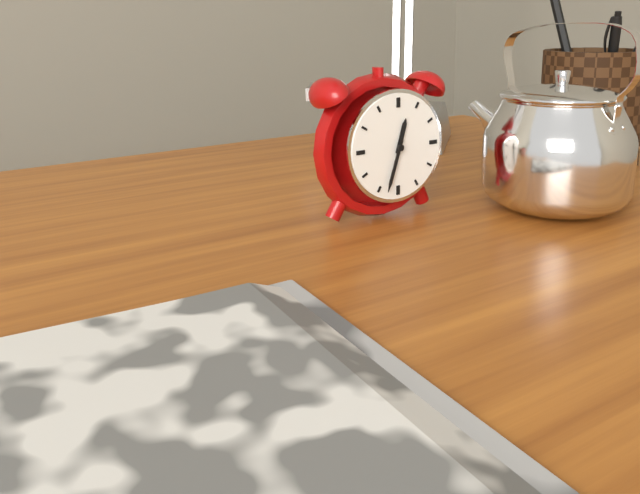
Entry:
h=12 m=33
